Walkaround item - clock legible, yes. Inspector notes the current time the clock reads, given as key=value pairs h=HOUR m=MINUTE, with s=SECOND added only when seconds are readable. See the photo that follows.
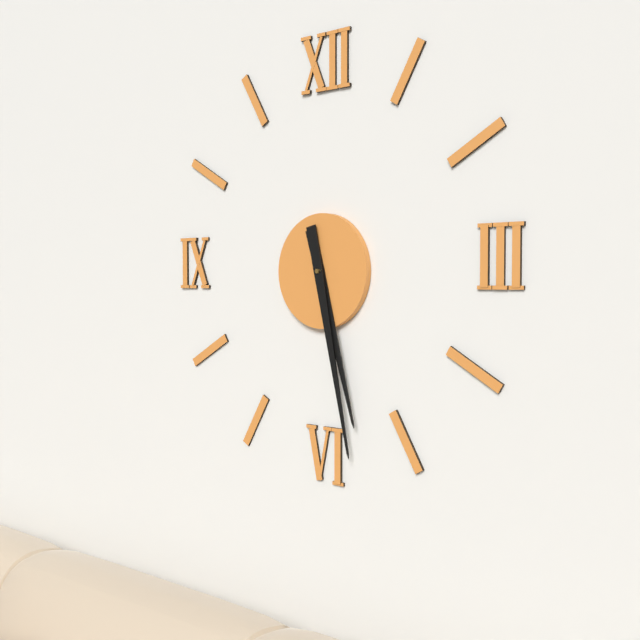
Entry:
h=5 m=28
